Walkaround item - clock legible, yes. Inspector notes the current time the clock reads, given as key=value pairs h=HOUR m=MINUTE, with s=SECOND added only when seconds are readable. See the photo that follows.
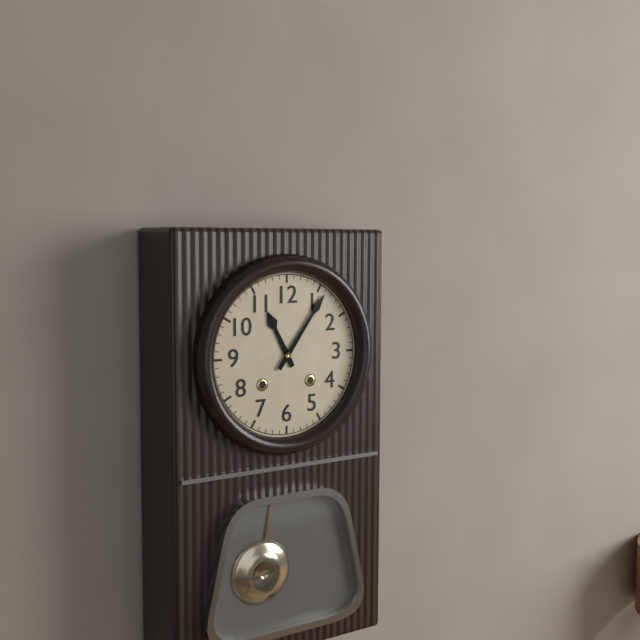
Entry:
h=11 m=6
